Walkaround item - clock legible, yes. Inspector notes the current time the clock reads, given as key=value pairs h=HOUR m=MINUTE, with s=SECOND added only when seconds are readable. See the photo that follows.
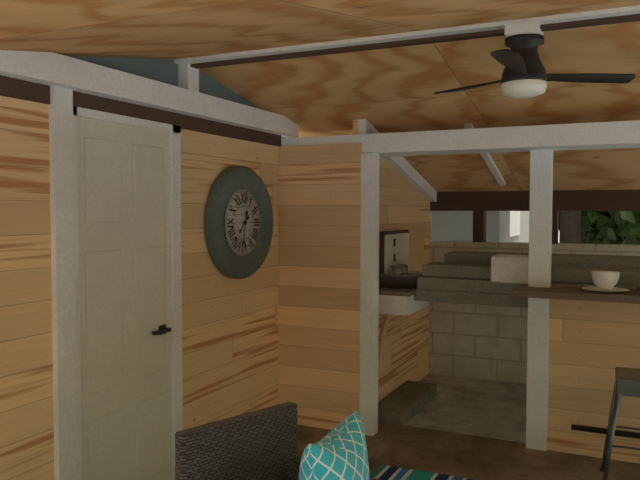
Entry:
h=7 m=32
